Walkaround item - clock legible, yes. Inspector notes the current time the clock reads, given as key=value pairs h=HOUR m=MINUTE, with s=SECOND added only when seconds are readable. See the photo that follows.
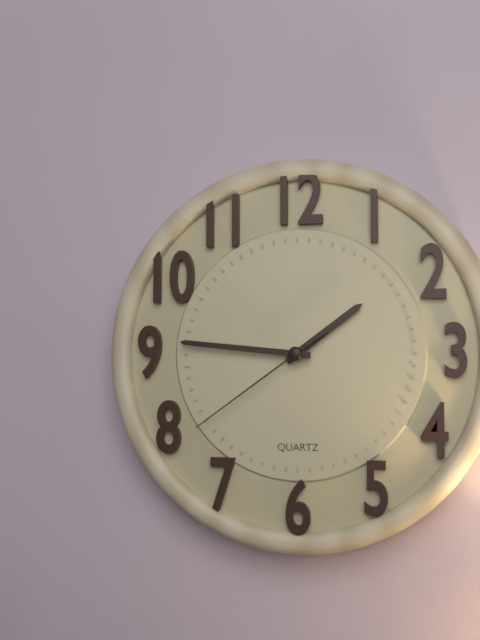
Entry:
h=1 m=46 s=39
